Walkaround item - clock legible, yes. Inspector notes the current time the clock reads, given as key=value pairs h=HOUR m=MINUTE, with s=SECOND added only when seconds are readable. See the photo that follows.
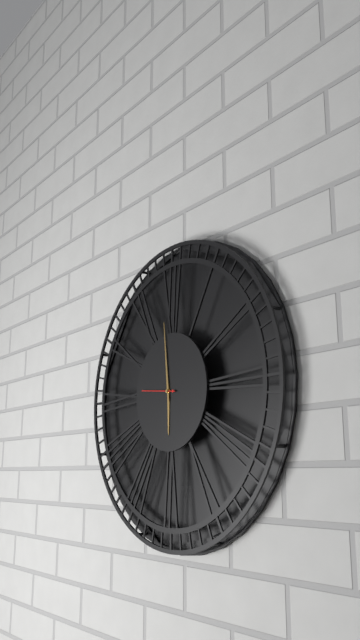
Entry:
h=5 m=59 s=46
